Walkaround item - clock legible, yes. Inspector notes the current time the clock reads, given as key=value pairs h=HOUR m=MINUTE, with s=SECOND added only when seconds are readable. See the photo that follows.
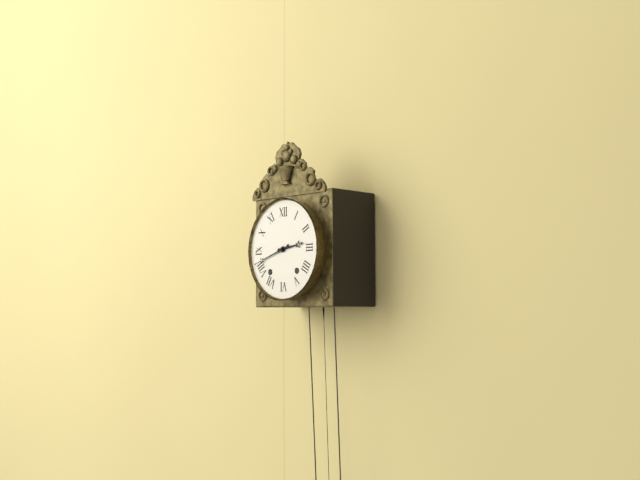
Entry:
h=2 m=42
